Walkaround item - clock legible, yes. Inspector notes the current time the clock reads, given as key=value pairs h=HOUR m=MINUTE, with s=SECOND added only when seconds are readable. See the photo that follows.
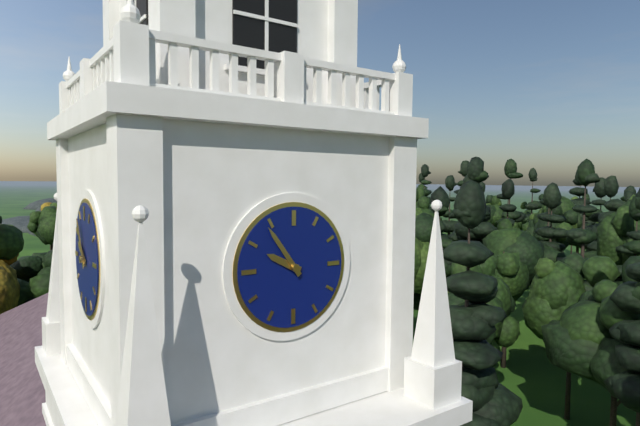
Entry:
h=9 m=54
